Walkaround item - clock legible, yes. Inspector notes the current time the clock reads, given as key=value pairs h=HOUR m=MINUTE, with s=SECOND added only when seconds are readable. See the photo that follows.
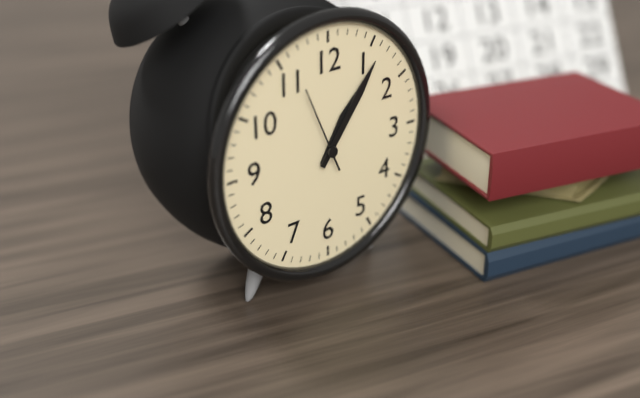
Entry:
h=1 m=6 s=56
